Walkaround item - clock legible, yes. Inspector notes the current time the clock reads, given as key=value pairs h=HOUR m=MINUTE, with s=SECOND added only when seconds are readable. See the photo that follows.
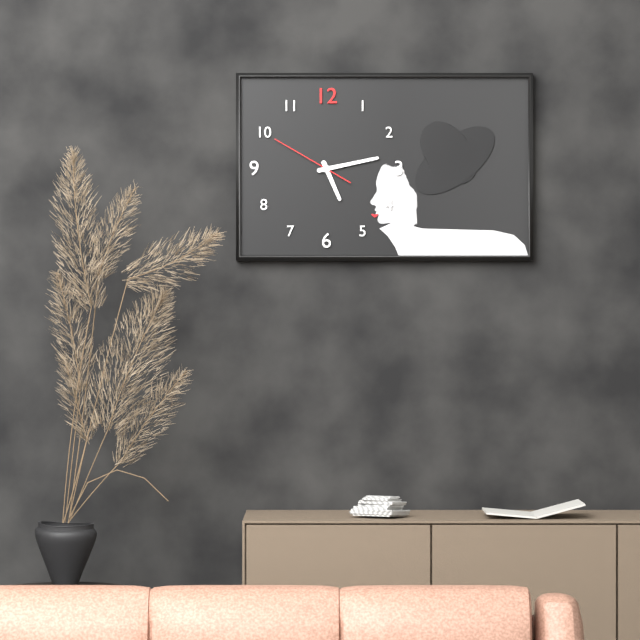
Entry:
h=5 m=13 s=50
